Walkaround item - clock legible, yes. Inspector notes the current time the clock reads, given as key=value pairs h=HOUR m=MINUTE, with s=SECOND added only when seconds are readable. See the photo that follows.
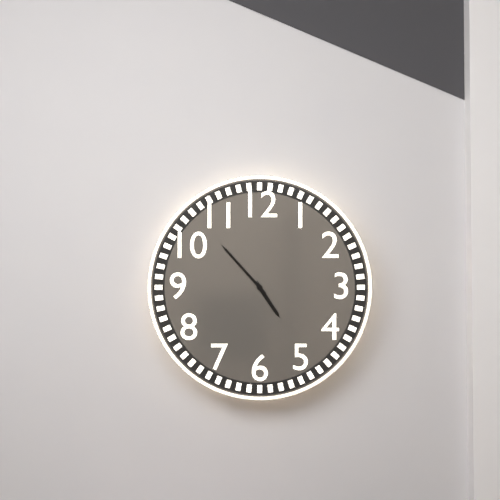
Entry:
h=4 m=53
